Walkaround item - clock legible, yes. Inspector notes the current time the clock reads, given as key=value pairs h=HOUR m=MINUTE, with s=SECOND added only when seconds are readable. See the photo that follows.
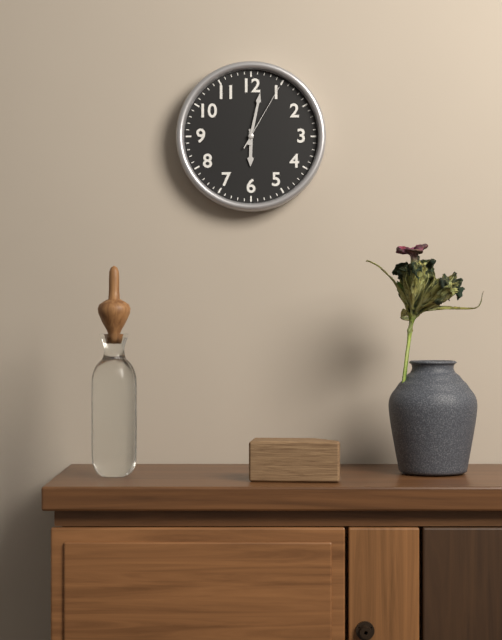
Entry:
h=6 m=2 s=5
